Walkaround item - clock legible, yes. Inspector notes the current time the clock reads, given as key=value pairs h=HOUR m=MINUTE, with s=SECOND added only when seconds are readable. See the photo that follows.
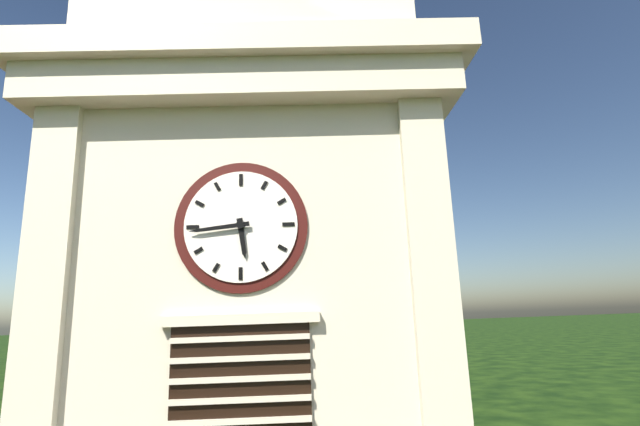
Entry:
h=5 m=44
